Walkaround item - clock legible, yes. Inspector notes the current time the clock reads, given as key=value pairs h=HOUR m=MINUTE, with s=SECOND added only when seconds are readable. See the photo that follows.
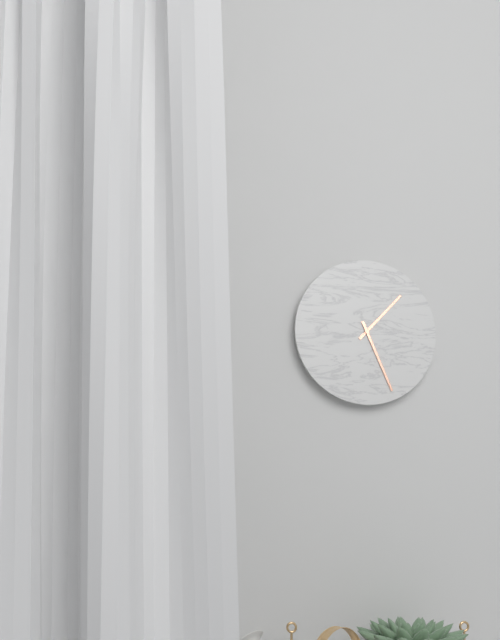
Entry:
h=1 m=26
